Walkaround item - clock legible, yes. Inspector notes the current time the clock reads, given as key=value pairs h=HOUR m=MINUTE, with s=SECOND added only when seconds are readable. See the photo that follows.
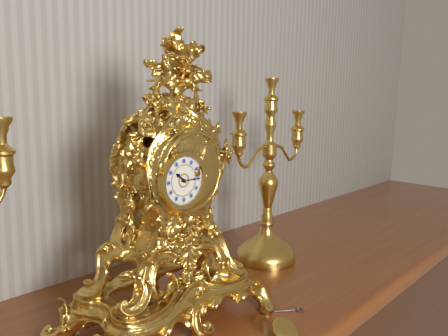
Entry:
h=10 m=15
